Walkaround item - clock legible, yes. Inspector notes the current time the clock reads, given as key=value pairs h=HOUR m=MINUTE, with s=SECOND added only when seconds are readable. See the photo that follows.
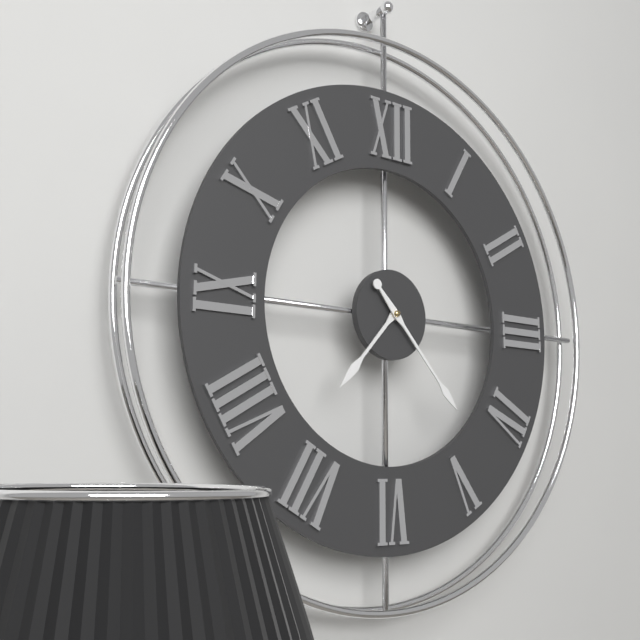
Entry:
h=7 m=23
